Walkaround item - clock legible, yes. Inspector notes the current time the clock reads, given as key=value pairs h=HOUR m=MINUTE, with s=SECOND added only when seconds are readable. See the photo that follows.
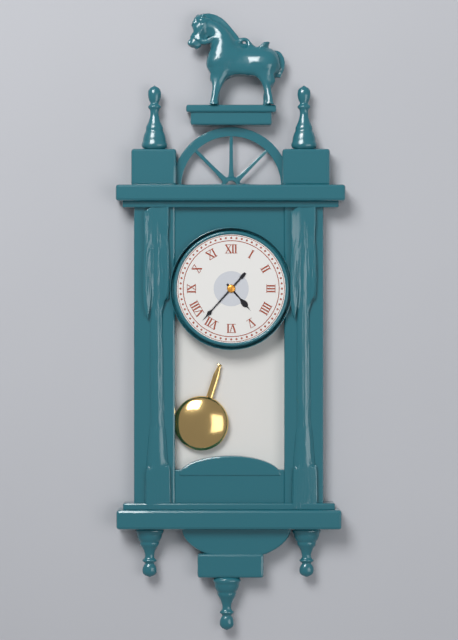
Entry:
h=4 m=37
